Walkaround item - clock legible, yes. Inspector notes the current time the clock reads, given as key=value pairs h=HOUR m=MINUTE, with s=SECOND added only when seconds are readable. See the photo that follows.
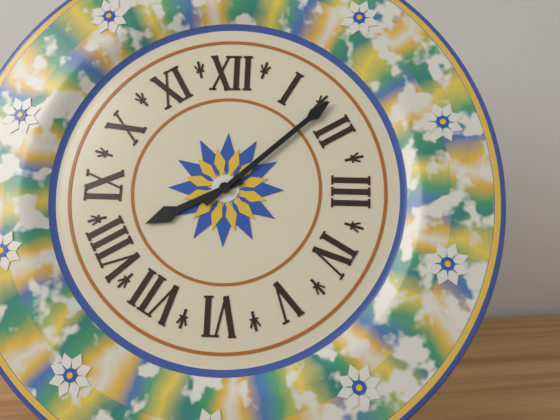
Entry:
h=8 m=8
